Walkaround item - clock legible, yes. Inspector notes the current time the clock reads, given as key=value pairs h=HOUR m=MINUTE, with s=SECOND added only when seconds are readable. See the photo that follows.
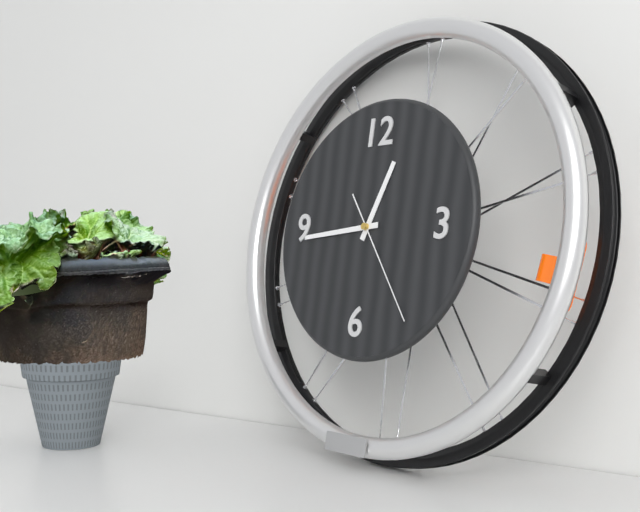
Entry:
h=12 m=44 s=24
